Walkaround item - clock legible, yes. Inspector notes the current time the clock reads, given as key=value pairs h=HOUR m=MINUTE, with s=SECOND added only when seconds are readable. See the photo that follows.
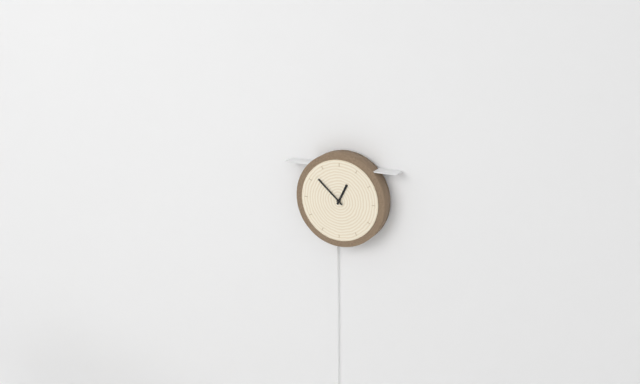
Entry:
h=12 m=52
